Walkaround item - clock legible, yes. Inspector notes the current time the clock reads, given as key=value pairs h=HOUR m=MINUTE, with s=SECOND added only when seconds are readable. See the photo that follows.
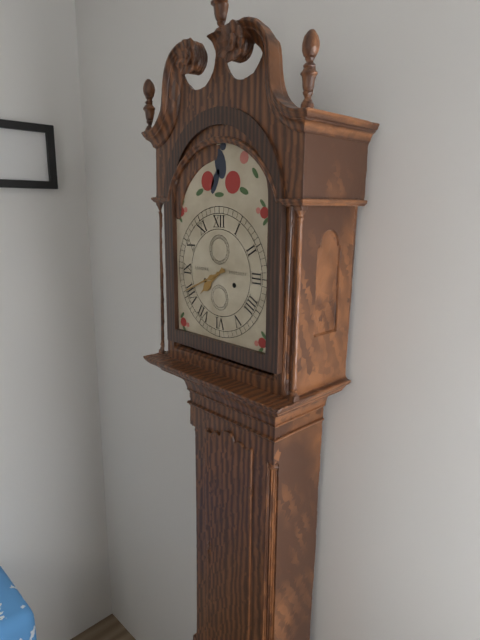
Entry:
h=7 m=41
